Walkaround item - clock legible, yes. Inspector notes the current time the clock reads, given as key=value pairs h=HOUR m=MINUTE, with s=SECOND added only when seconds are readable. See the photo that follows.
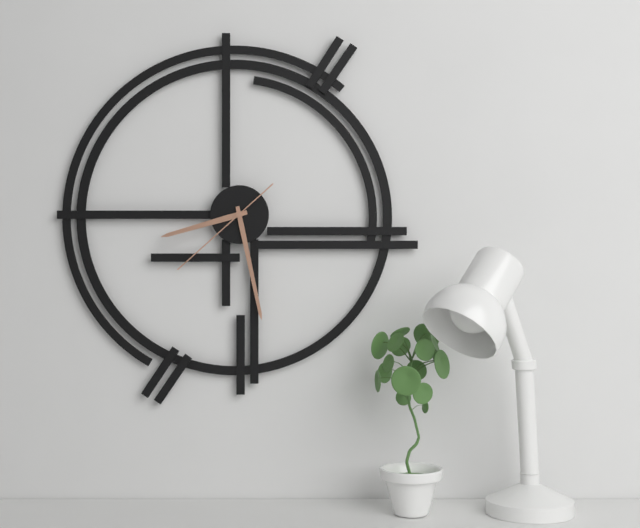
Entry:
h=8 m=28 s=38
